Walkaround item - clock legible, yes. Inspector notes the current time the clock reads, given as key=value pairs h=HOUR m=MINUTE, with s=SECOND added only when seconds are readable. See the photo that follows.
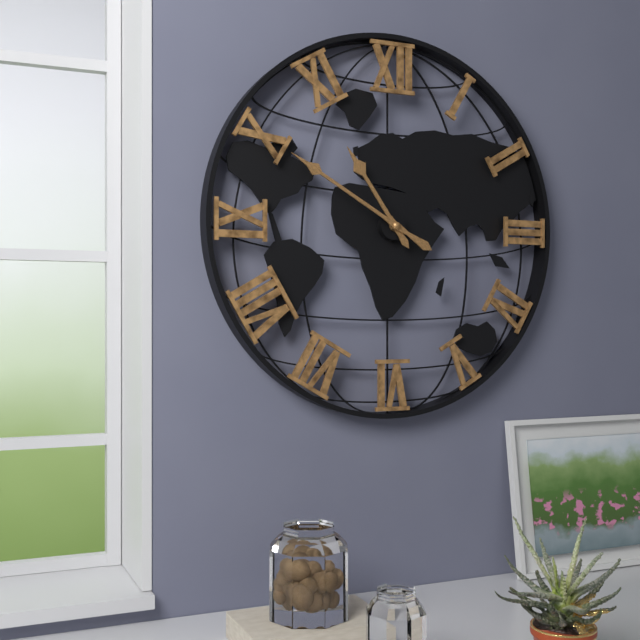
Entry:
h=10 m=50
